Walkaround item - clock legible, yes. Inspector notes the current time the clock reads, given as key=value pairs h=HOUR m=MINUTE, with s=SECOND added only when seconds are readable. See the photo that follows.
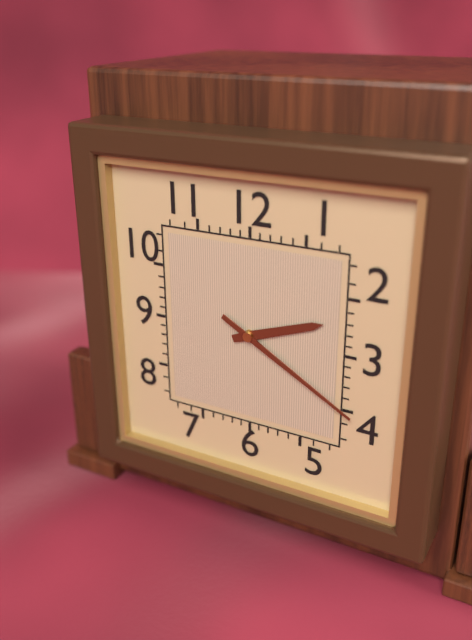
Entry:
h=2 m=20
